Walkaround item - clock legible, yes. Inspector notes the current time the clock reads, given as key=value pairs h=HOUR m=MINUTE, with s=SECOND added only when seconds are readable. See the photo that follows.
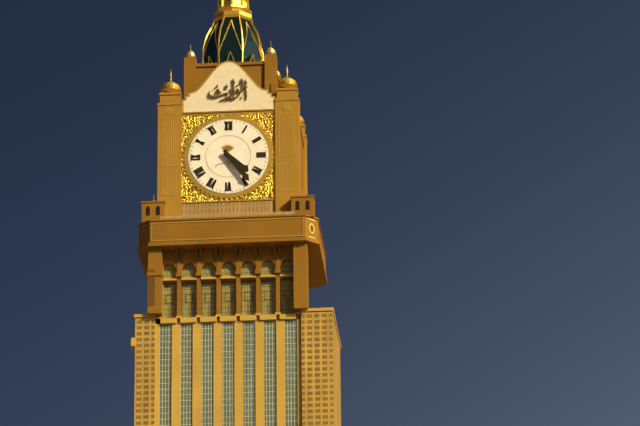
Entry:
h=4 m=24
